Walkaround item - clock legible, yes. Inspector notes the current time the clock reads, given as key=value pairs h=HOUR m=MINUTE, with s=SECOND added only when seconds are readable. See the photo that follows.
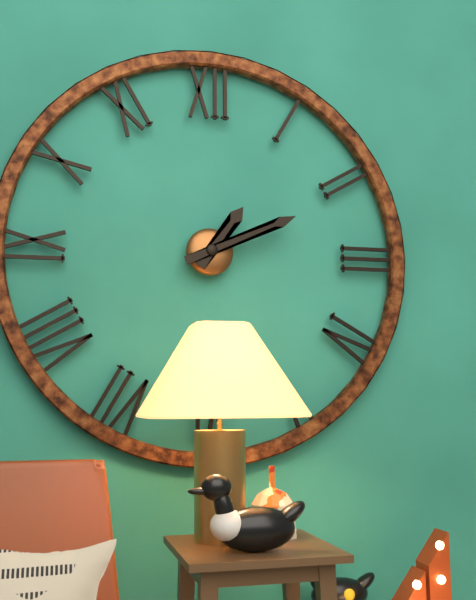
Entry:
h=1 m=11
